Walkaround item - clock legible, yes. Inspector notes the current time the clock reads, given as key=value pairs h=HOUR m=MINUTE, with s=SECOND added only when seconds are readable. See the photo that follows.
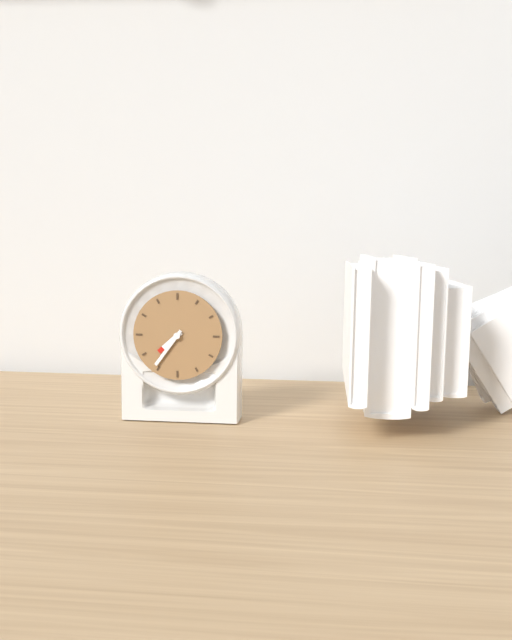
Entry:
h=7 m=36
